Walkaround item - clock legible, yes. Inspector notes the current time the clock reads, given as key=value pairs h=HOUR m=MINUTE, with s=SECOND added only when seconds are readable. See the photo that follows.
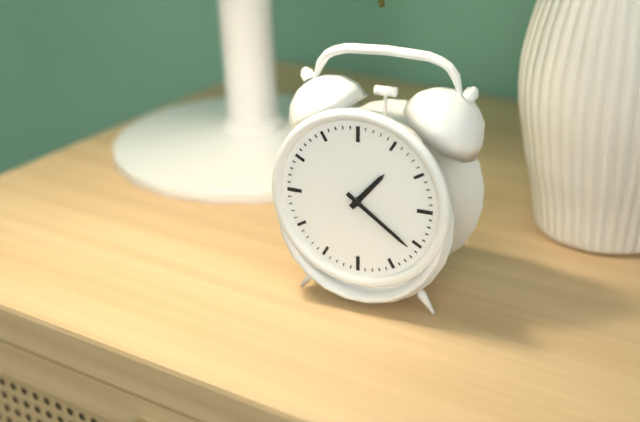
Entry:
h=1 m=21
